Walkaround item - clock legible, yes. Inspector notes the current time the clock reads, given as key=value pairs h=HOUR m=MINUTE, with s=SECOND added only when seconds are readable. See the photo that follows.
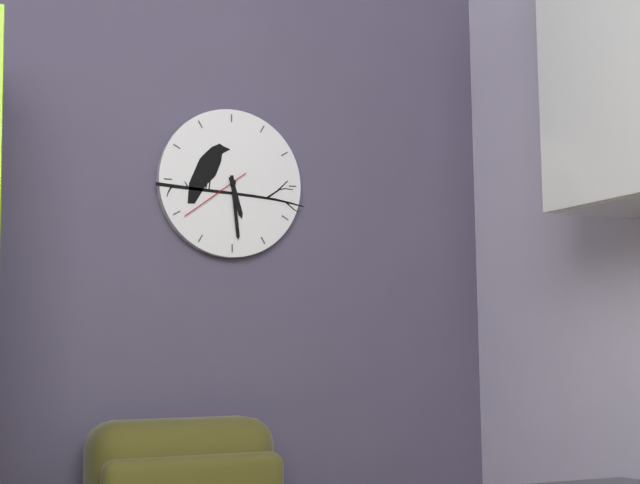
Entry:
h=5 m=29 s=39
